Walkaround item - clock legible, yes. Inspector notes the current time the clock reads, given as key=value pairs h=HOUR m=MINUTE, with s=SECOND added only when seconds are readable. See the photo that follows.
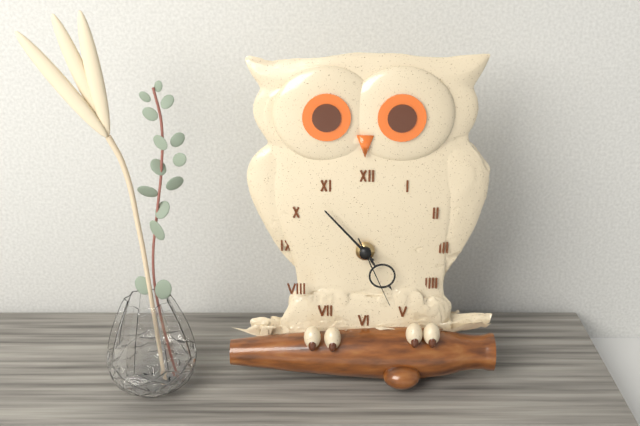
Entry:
h=4 m=53 s=26
